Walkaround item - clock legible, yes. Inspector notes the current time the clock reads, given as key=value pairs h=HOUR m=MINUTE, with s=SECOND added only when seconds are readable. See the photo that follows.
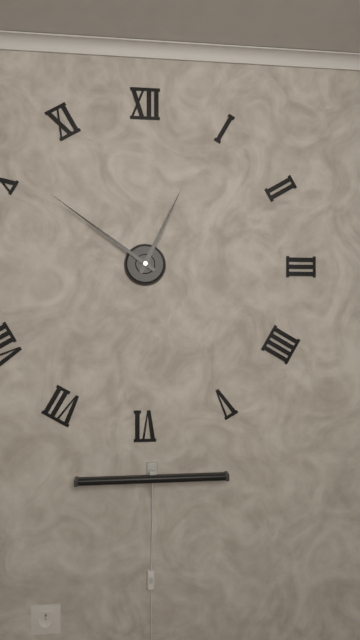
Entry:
h=12 m=51
